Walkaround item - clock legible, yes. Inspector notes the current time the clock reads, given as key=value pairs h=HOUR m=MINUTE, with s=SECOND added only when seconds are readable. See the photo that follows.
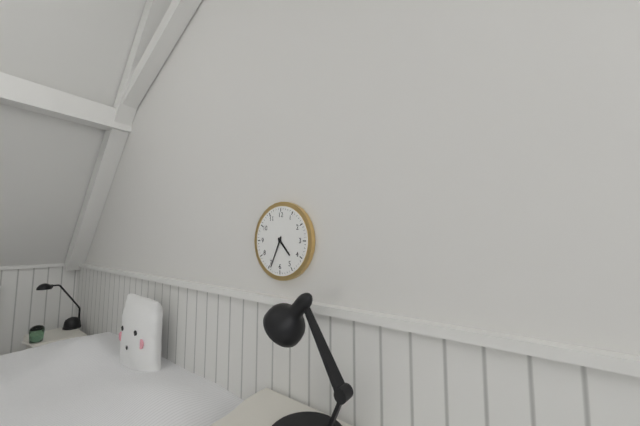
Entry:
h=4 m=34
